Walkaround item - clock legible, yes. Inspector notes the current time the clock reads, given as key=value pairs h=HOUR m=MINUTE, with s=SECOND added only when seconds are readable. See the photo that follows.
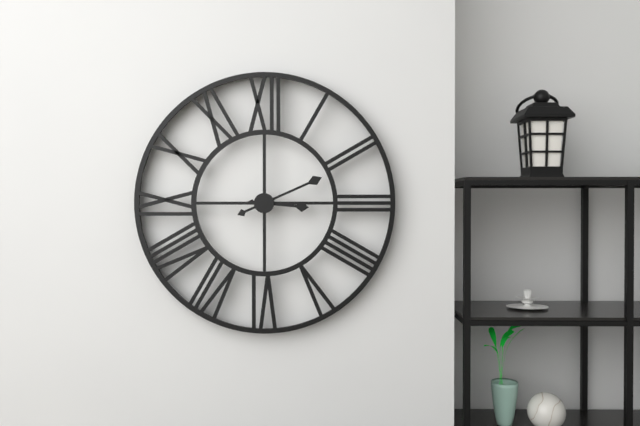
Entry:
h=3 m=11
